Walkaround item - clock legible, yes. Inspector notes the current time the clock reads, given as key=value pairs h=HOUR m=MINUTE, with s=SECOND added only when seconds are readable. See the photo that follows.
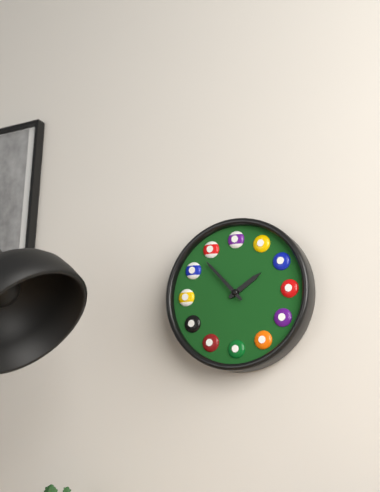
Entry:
h=1 m=53
